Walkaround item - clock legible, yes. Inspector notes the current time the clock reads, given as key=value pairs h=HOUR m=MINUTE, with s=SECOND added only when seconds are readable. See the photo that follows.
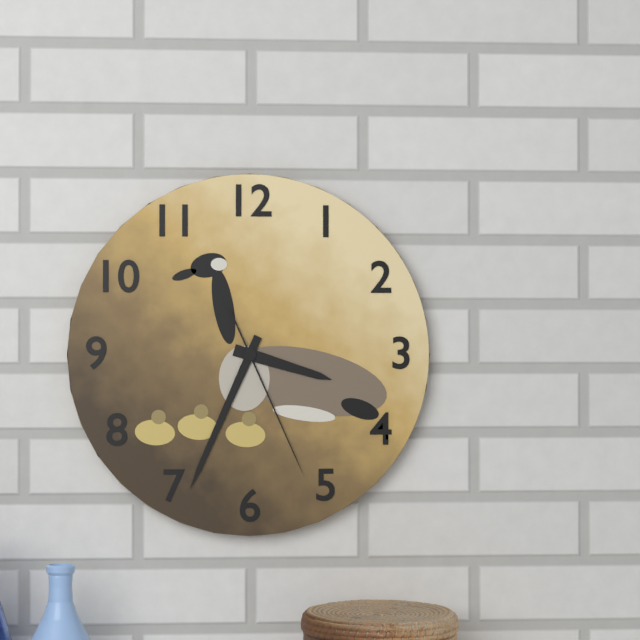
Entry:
h=3 m=34 s=26
